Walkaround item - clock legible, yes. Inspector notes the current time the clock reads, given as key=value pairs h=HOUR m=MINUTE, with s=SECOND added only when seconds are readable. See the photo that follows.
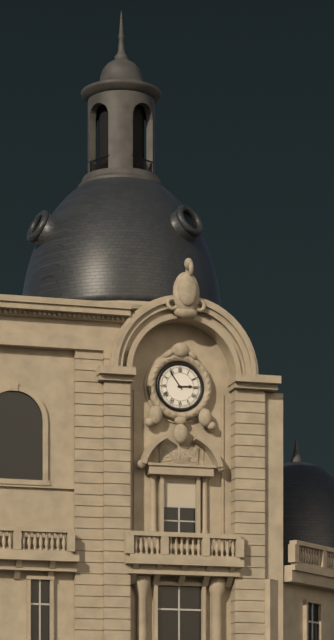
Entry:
h=2 m=54
